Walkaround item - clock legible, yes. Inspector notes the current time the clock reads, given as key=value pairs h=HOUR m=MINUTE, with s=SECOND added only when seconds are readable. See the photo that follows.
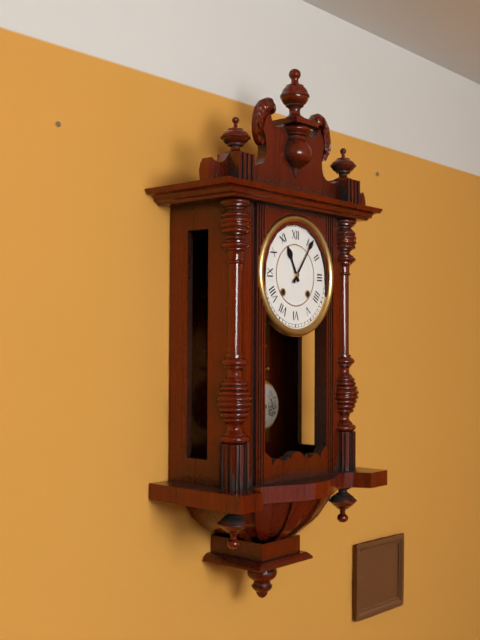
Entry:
h=11 m=6
